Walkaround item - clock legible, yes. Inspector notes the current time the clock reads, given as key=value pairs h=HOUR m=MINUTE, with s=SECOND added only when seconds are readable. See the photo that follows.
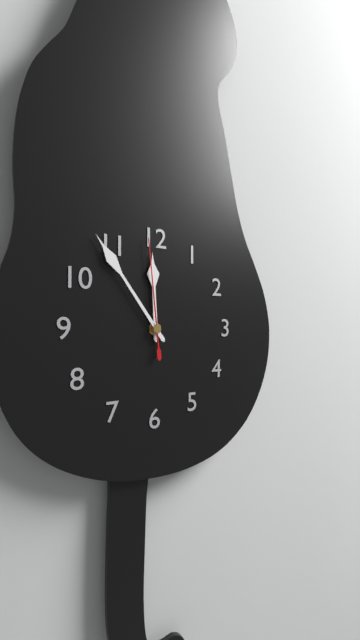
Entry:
h=11 m=54 s=59
